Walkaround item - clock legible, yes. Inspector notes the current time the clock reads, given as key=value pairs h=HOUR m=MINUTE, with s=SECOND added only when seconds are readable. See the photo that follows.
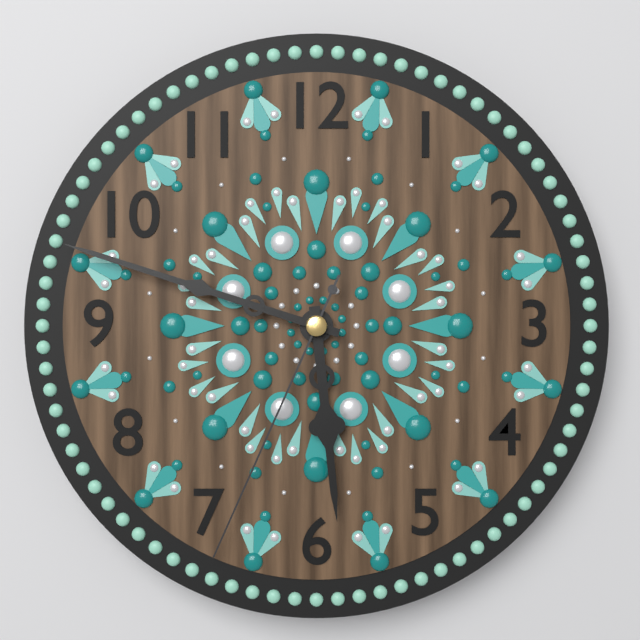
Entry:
h=5 m=48 s=34
